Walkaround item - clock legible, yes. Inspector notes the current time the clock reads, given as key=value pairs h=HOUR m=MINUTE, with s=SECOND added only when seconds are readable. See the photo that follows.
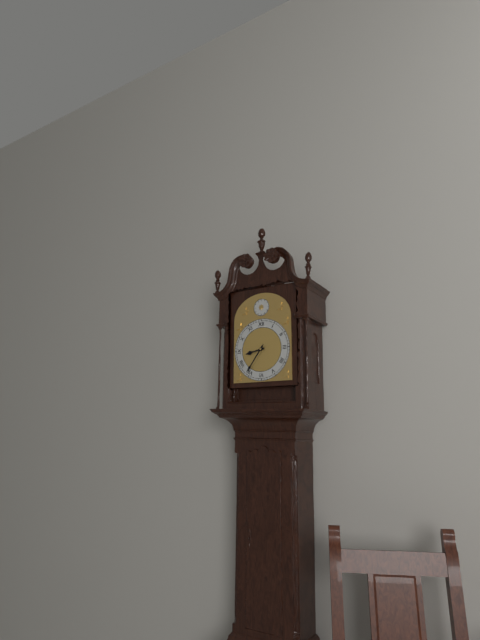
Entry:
h=8 m=36
